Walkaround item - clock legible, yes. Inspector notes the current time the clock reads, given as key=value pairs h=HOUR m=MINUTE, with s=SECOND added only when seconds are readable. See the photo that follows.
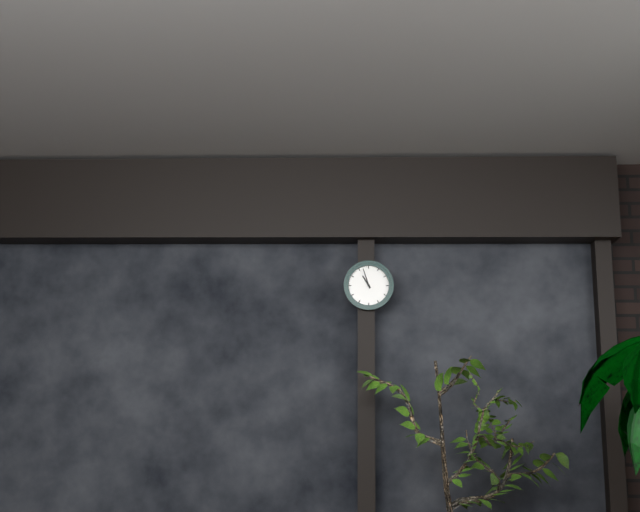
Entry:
h=10 m=57
